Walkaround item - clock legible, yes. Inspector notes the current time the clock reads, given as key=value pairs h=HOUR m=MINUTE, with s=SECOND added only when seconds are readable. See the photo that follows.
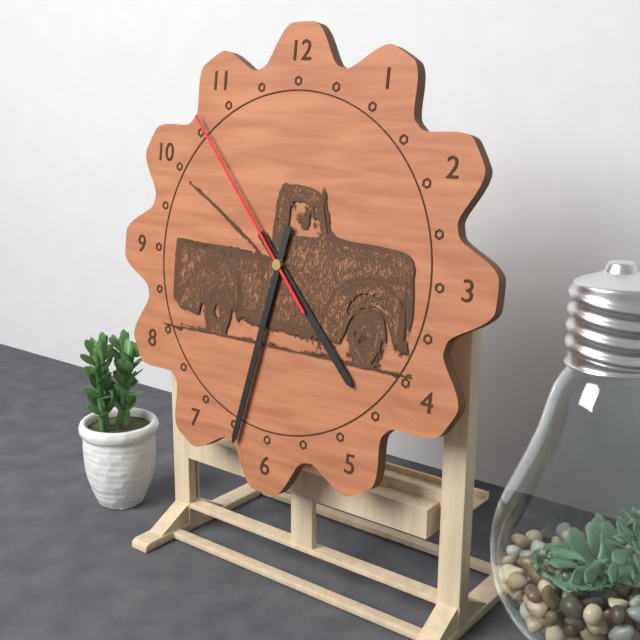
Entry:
h=4 m=32 s=53
